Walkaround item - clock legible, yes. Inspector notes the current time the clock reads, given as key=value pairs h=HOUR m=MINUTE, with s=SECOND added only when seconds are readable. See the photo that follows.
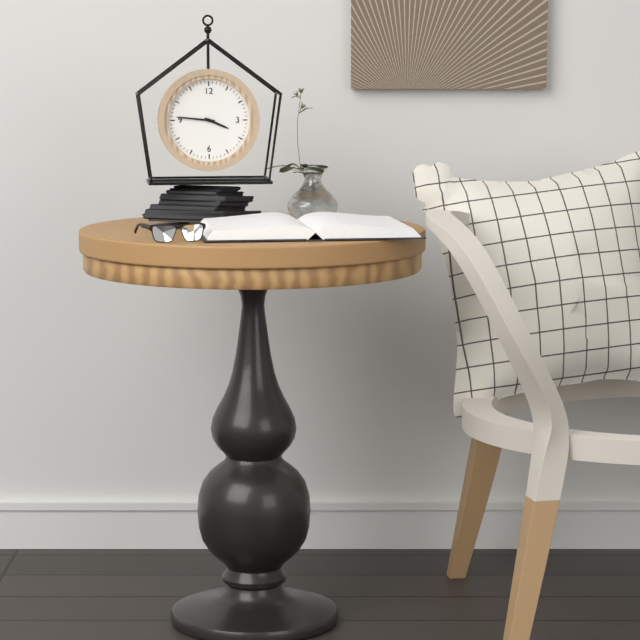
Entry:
h=3 m=46
